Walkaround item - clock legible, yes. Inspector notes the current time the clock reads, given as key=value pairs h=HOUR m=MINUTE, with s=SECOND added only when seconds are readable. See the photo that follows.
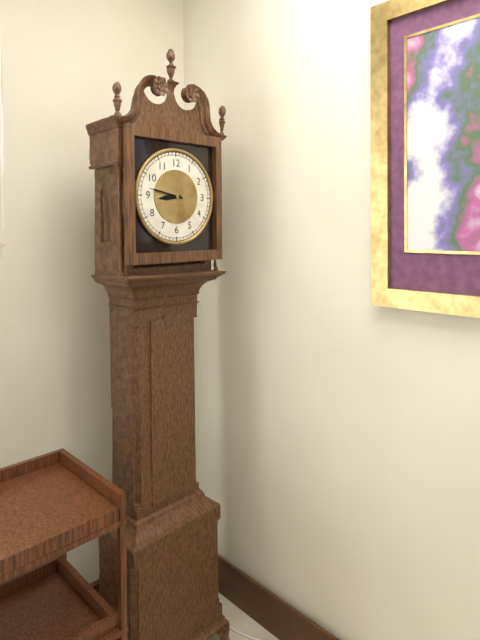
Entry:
h=8 m=47
